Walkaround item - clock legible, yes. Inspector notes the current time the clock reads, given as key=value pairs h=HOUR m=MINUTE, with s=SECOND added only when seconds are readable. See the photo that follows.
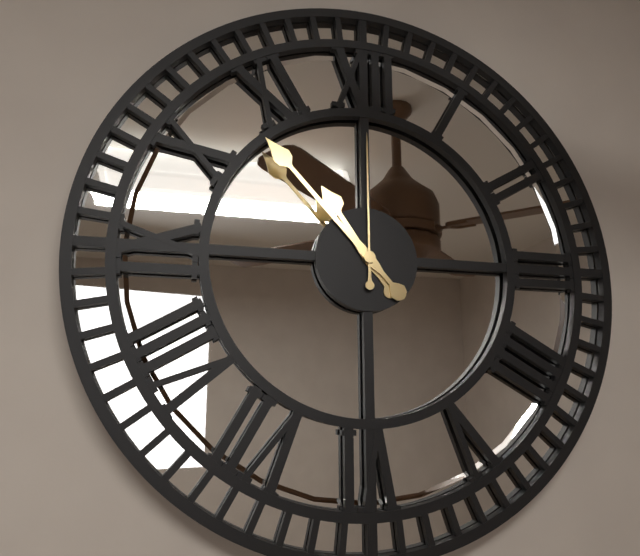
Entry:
h=10 m=53 s=0
